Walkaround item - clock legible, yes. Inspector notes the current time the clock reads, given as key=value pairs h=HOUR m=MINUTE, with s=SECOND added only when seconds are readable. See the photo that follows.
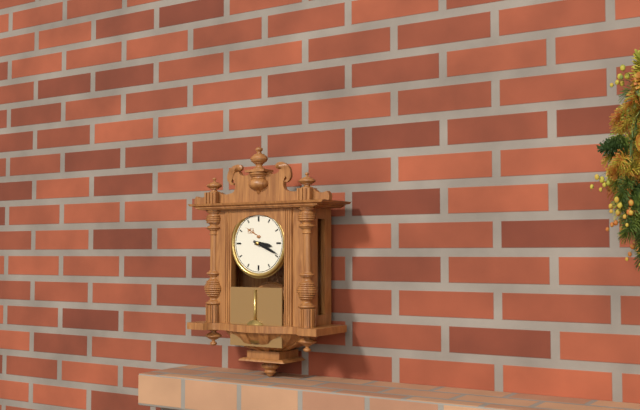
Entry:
h=3 m=19
